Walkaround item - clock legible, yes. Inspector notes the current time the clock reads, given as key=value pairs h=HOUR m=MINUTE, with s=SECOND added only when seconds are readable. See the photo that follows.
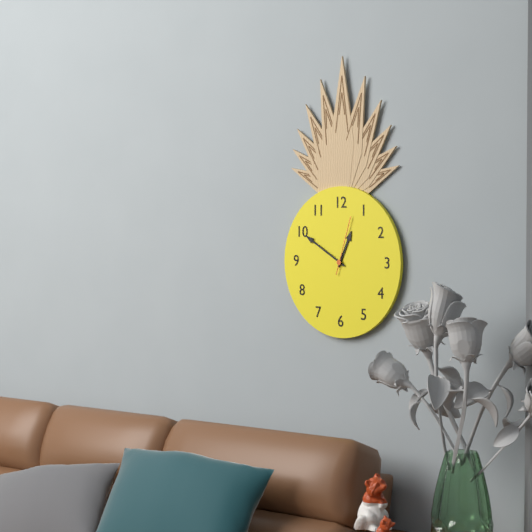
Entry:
h=12 m=50 s=3
